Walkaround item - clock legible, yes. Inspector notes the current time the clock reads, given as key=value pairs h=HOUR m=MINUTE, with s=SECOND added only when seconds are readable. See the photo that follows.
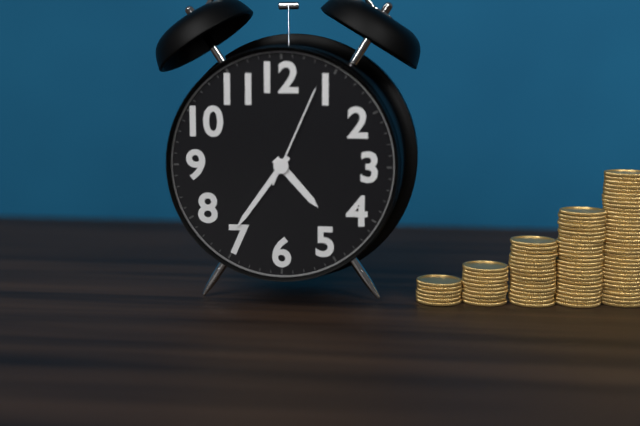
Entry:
h=4 m=36 s=4
